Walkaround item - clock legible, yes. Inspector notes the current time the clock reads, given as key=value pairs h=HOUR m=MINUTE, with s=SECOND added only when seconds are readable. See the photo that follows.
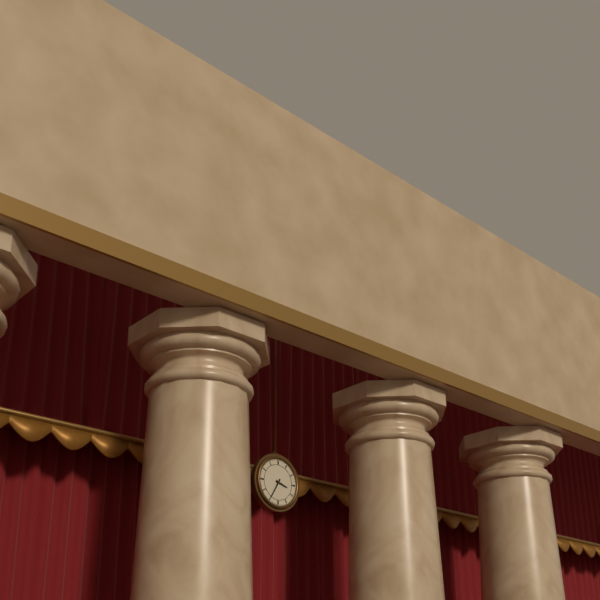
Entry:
h=3 m=35
